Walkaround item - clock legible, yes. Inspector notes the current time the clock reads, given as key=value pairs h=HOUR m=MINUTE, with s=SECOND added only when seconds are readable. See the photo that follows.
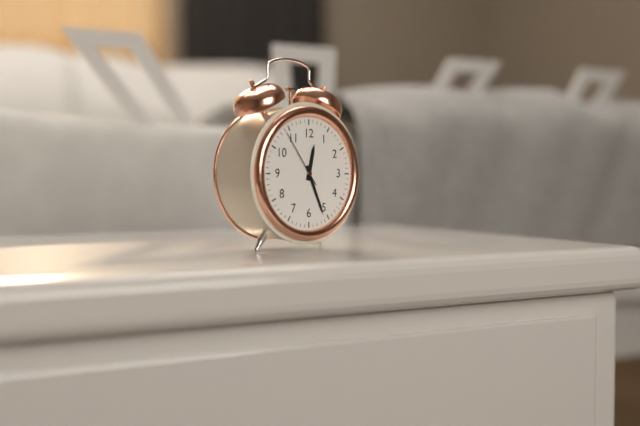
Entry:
h=12 m=26 s=54
